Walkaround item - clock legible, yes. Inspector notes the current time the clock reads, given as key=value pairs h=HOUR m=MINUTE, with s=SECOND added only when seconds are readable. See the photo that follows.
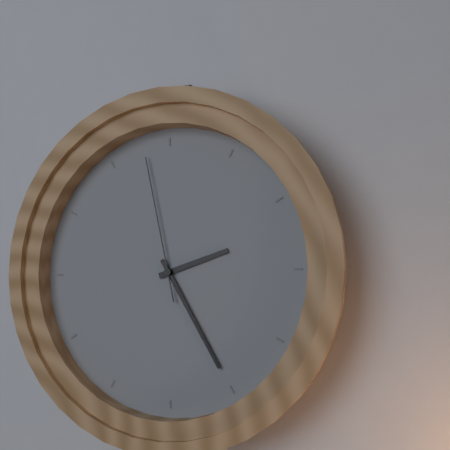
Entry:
h=2 m=25 s=58
